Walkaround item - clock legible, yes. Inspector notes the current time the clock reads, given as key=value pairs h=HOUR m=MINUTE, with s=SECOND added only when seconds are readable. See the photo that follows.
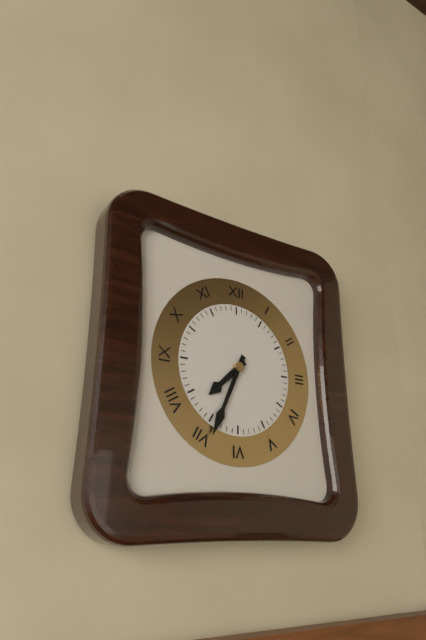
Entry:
h=7 m=34
